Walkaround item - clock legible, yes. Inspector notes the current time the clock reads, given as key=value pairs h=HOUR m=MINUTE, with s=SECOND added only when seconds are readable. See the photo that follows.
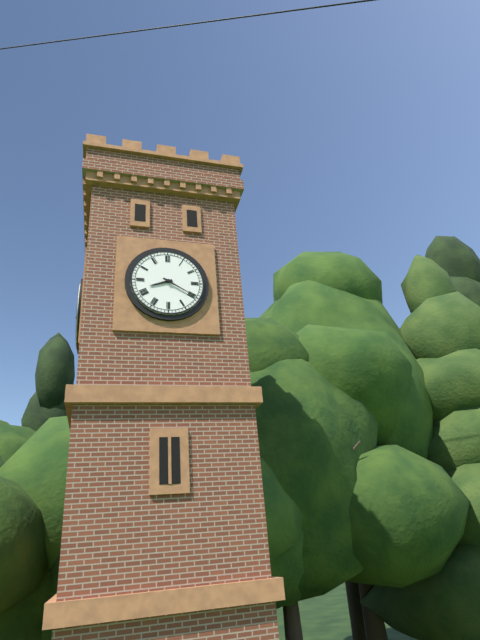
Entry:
h=8 m=20
